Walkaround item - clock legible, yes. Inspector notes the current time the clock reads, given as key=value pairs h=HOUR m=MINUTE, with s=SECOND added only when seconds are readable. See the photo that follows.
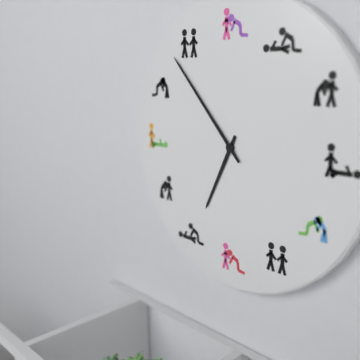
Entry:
h=6 m=53
